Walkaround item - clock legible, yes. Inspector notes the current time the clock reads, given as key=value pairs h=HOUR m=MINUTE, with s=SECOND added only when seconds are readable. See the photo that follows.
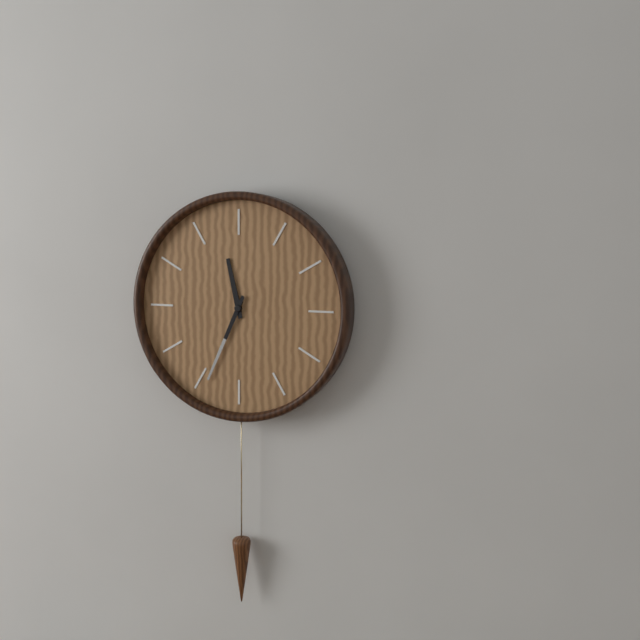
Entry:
h=11 m=34
